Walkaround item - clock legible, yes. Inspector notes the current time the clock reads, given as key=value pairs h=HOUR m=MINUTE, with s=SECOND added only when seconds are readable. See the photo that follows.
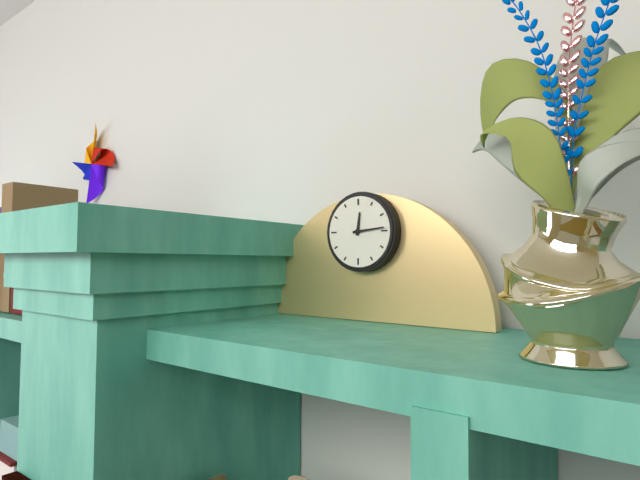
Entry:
h=12 m=14
